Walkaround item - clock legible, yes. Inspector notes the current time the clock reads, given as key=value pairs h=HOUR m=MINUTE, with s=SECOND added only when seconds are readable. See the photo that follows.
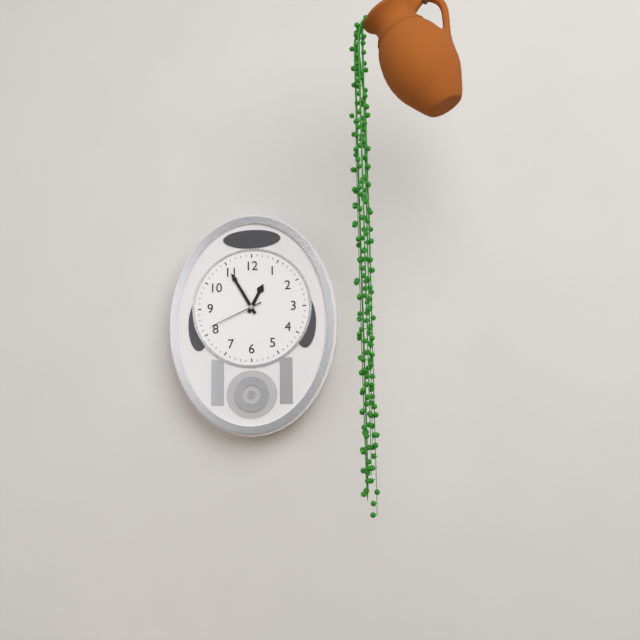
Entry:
h=12 m=55 s=41
